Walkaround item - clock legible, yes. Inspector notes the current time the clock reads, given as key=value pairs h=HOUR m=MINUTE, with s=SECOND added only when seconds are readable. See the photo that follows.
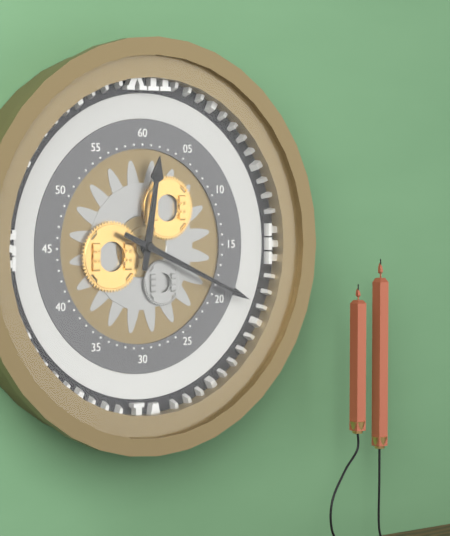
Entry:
h=12 m=19
